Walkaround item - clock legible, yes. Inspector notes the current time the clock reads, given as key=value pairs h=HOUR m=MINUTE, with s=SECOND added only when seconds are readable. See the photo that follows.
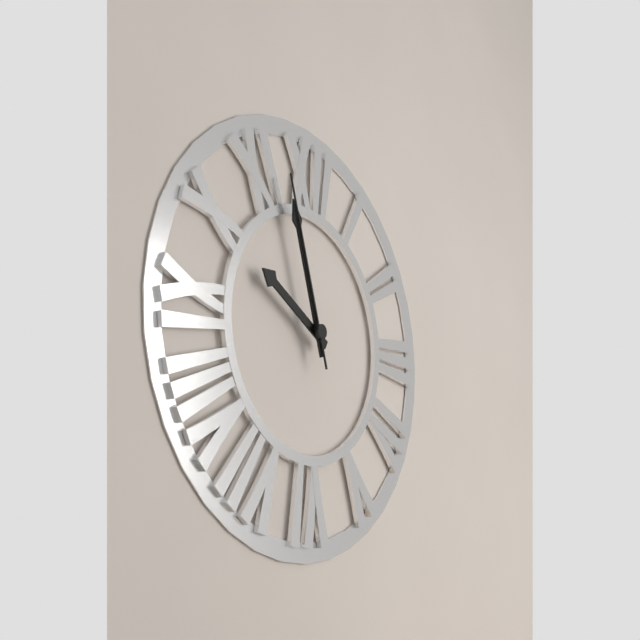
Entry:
h=9 m=57 s=57
